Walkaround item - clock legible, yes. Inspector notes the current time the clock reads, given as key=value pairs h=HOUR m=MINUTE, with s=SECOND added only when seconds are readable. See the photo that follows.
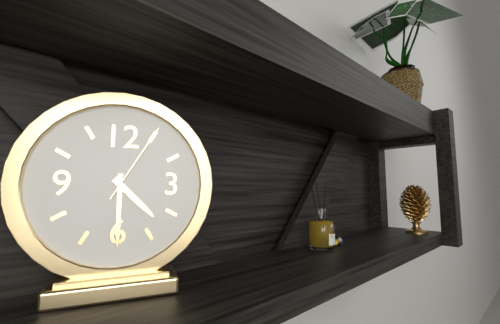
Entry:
h=4 m=30 s=5
